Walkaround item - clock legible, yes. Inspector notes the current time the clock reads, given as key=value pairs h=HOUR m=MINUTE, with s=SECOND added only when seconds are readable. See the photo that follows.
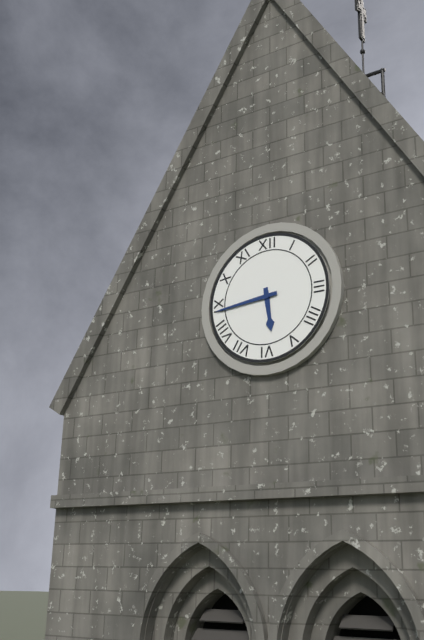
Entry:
h=5 m=44
